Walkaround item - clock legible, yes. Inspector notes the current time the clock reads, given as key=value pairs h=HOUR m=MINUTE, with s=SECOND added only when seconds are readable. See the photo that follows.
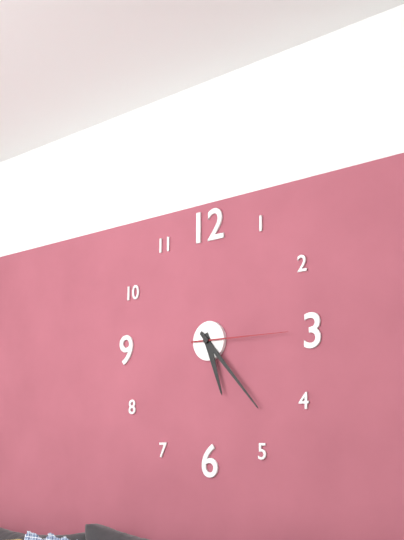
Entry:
h=5 m=23 s=15
